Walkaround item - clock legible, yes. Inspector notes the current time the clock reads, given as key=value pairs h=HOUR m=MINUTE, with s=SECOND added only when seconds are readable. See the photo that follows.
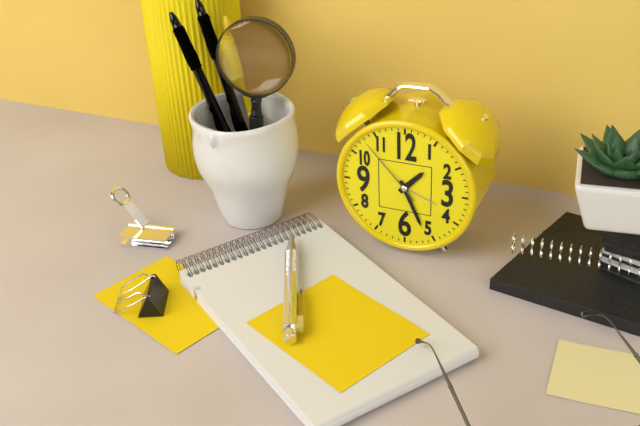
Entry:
h=1 m=26 s=53
